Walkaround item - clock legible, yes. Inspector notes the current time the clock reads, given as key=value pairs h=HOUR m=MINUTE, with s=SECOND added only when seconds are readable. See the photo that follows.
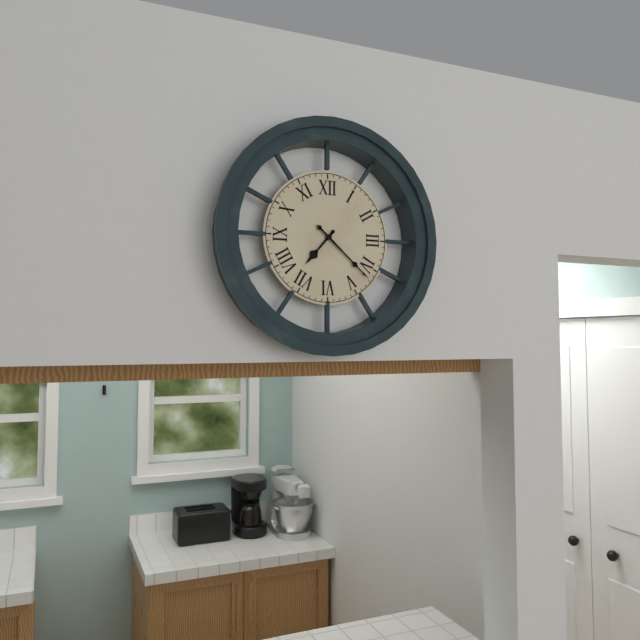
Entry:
h=7 m=22
